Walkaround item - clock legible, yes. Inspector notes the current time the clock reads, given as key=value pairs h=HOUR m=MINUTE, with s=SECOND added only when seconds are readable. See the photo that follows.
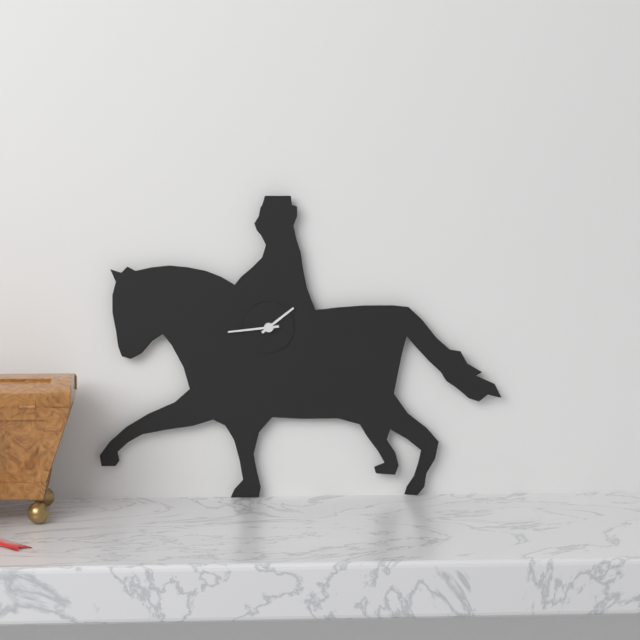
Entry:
h=1 m=44
